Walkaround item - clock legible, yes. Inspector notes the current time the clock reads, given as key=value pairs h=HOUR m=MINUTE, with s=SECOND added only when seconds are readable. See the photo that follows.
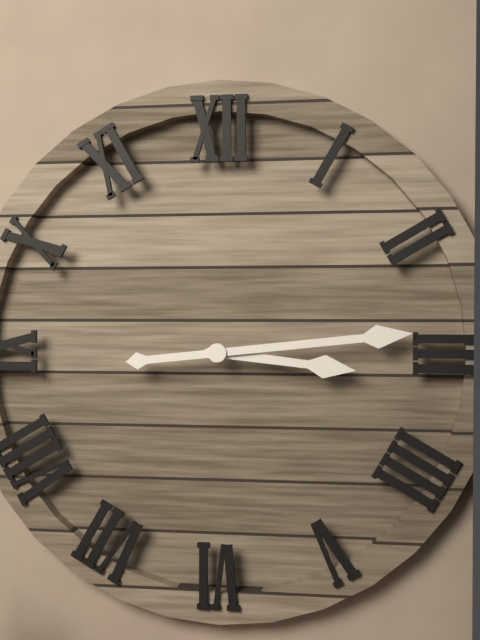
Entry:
h=3 m=14
